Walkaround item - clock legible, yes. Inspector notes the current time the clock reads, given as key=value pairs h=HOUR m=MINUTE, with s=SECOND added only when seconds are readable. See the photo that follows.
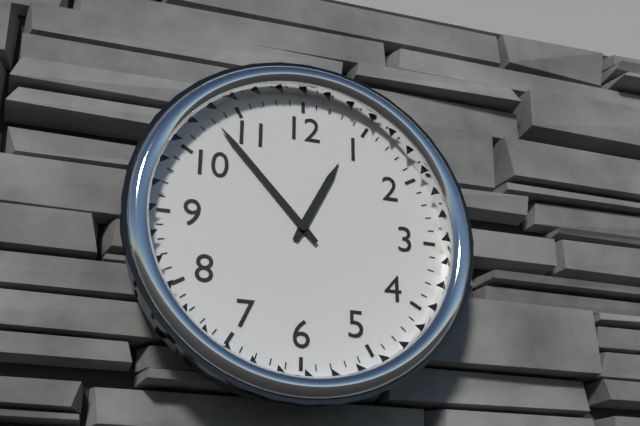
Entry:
h=12 m=53
